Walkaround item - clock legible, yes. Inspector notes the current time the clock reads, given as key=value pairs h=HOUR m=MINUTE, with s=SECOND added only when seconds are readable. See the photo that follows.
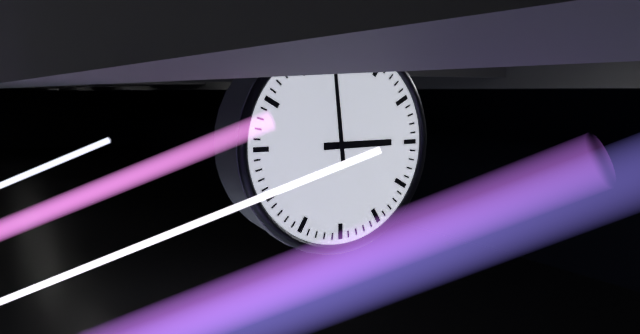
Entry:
h=2 m=59
